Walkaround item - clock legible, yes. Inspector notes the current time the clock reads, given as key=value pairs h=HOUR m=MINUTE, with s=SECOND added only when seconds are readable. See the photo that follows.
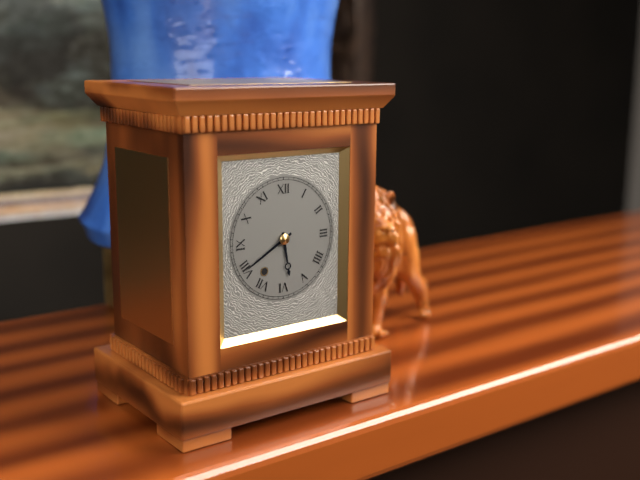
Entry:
h=5 m=40
